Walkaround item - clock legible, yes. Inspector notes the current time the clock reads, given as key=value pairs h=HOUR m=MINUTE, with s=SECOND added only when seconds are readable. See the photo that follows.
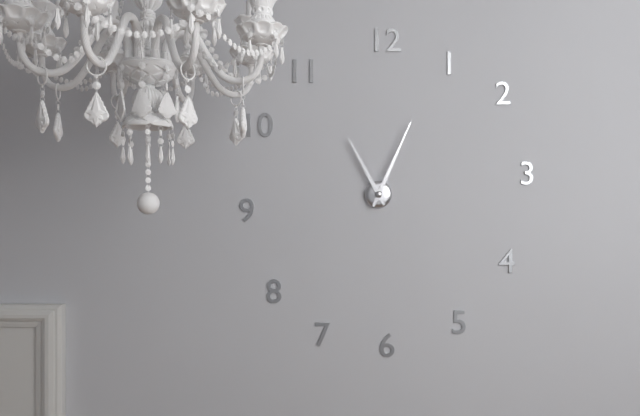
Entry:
h=11 m=4
